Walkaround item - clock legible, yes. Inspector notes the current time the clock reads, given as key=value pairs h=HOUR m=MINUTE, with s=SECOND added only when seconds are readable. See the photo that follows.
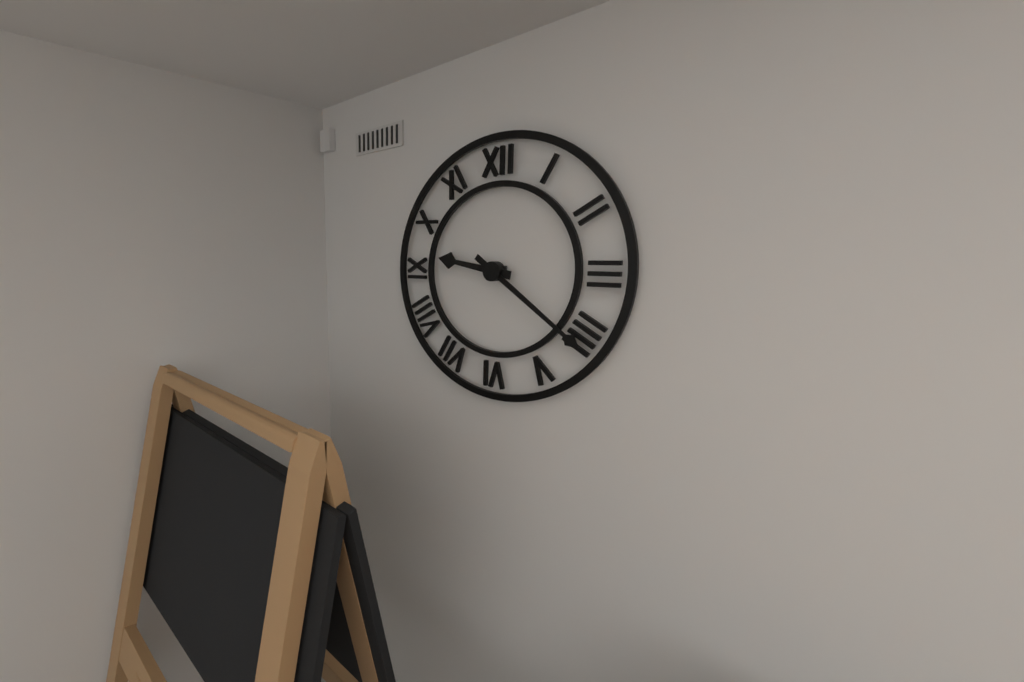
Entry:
h=9 m=21
